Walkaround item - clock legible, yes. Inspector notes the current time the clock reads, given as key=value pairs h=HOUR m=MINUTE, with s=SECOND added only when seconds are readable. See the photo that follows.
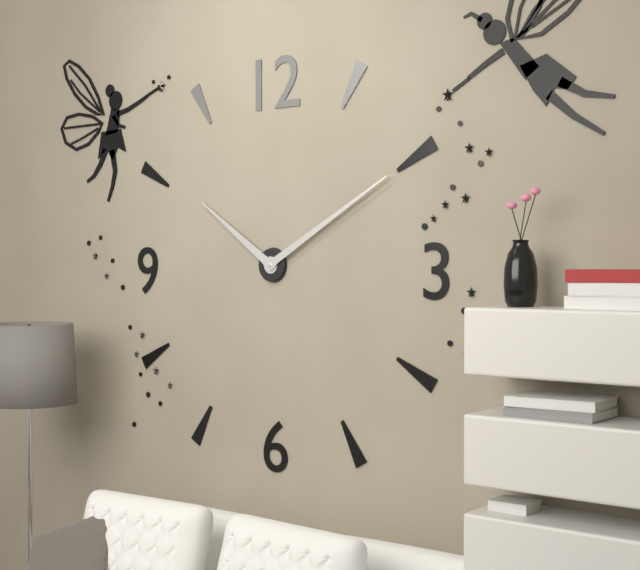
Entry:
h=10 m=10
